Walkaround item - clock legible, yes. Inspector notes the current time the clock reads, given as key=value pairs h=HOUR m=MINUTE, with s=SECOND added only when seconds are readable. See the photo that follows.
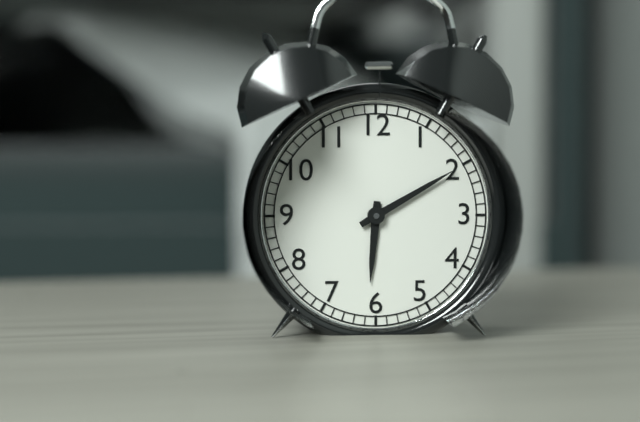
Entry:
h=6 m=10
